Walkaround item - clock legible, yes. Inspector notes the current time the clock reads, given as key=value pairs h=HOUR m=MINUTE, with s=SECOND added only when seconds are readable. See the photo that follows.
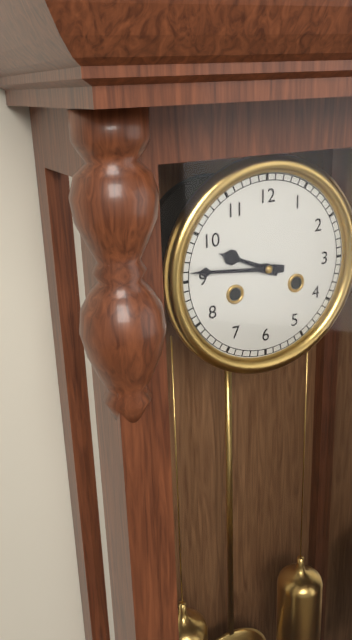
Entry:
h=9 m=46
